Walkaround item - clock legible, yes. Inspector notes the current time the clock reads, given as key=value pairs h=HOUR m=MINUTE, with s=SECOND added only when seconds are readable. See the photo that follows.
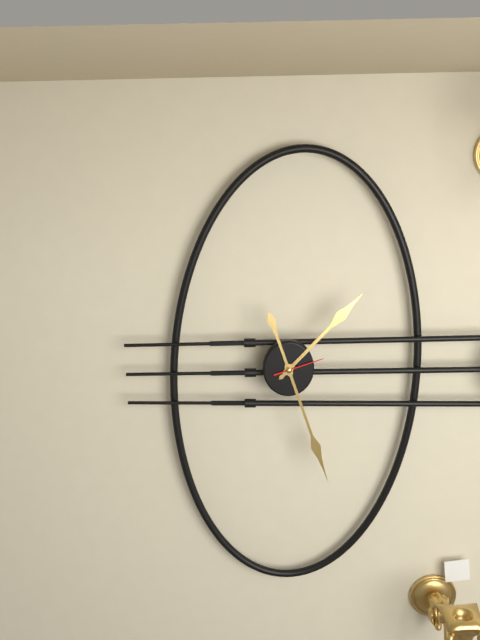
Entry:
h=1 m=27
